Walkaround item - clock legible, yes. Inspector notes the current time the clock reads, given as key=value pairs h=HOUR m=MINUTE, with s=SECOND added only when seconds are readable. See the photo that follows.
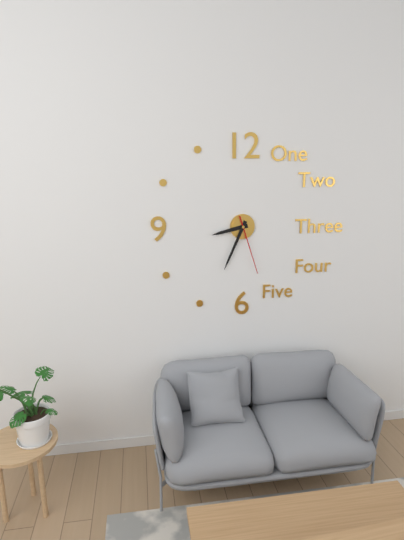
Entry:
h=8 m=34 s=27
